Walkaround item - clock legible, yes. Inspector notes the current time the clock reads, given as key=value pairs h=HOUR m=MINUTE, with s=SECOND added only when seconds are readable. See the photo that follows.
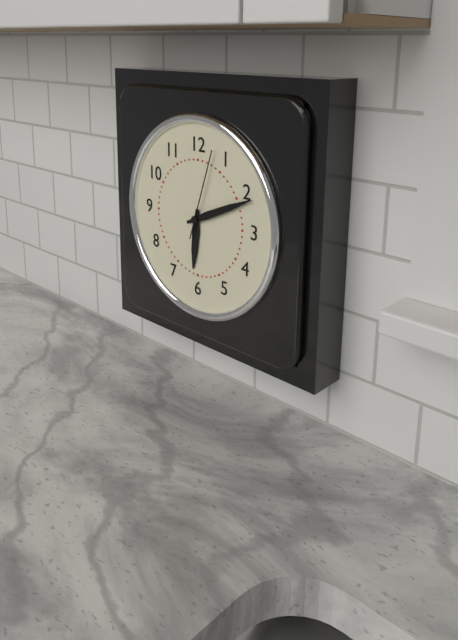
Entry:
h=6 m=11 s=3
